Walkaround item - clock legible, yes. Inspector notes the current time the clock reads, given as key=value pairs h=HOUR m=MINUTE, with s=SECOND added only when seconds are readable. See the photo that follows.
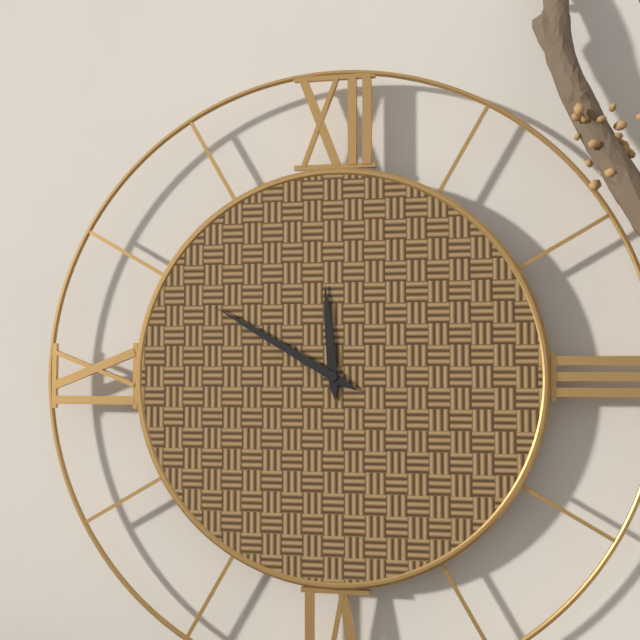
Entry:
h=11 m=50
